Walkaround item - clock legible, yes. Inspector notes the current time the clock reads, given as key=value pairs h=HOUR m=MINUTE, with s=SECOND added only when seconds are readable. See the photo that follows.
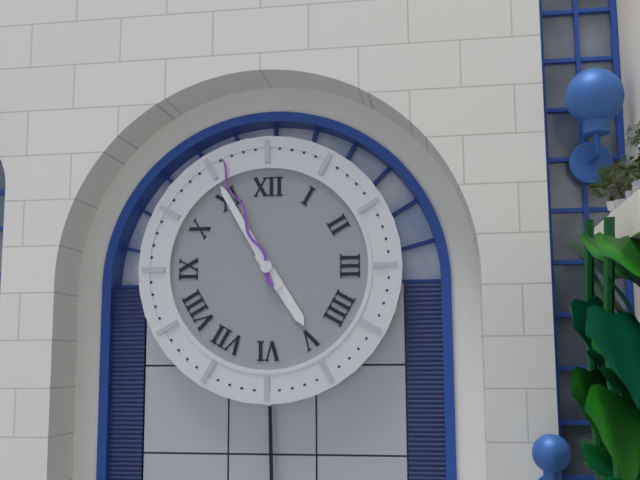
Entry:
h=4 m=55 s=56
